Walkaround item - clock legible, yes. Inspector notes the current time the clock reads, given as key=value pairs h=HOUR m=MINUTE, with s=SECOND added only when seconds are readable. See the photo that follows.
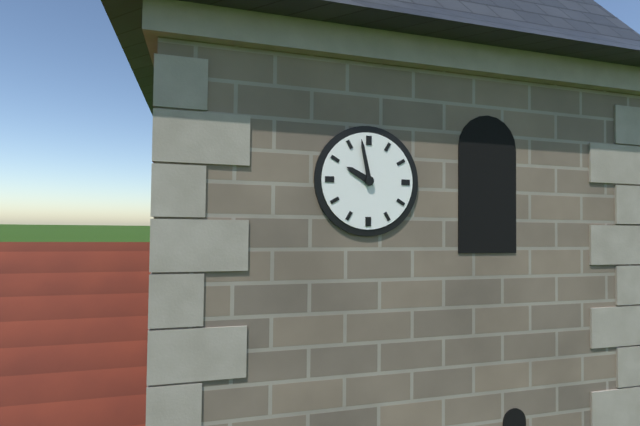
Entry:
h=9 m=58
